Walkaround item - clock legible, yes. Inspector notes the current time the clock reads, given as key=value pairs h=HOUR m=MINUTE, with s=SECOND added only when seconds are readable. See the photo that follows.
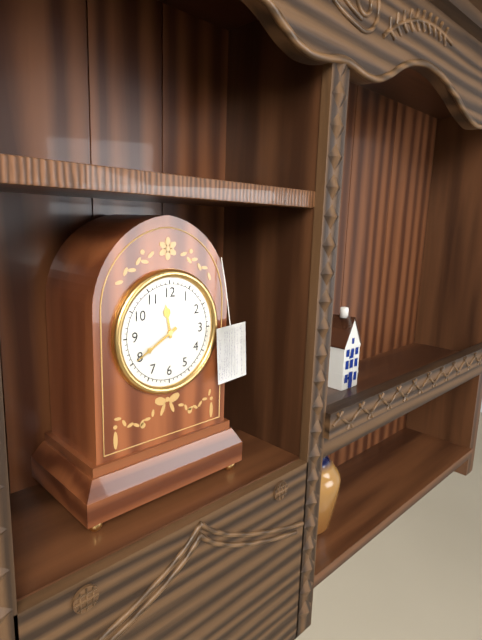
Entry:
h=11 m=40
